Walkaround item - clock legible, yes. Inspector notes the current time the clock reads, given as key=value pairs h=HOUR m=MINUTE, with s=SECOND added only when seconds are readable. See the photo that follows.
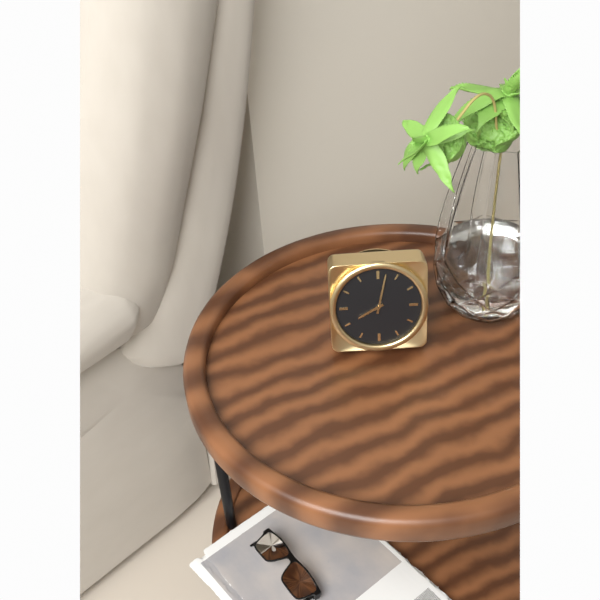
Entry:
h=8 m=2
